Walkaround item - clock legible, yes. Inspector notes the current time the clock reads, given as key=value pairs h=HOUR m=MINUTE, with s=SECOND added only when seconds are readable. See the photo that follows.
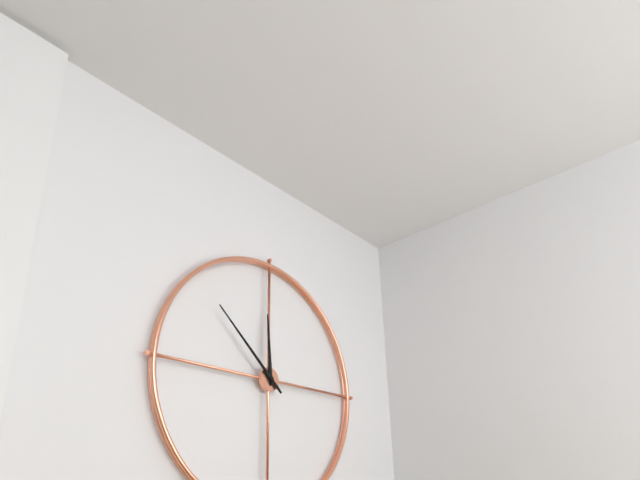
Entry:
h=11 m=52
